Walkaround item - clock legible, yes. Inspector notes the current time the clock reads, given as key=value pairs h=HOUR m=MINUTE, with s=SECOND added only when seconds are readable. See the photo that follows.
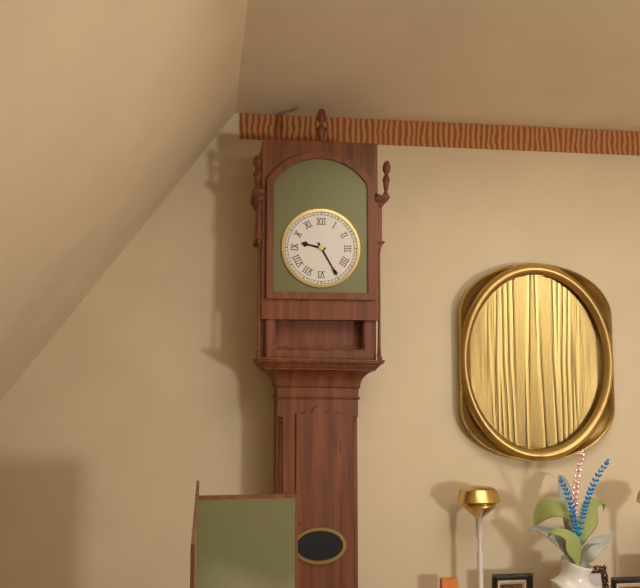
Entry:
h=9 m=25
